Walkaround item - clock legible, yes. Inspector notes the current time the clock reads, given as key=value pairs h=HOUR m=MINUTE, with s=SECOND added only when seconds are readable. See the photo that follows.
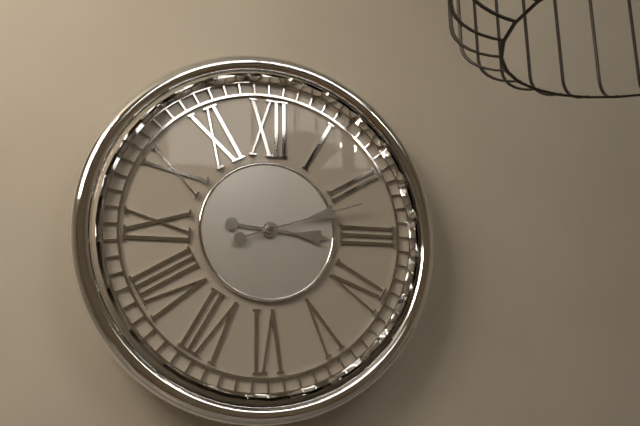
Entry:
h=3 m=12
